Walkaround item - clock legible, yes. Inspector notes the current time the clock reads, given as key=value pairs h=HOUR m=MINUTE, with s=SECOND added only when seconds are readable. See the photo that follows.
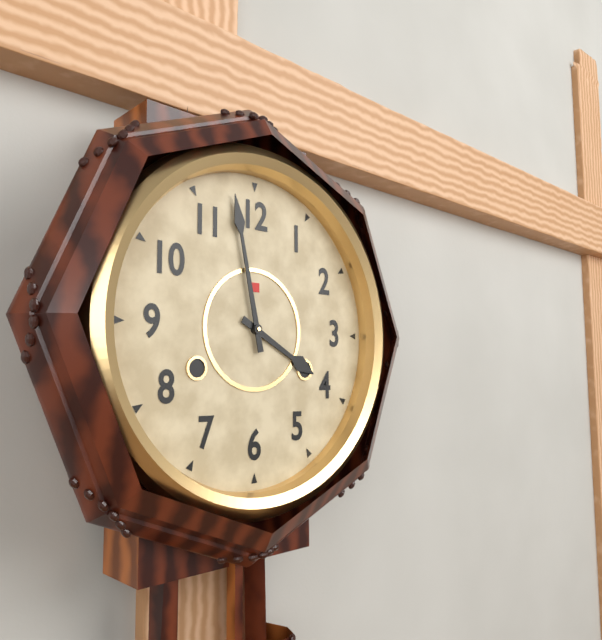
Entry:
h=3 m=58
